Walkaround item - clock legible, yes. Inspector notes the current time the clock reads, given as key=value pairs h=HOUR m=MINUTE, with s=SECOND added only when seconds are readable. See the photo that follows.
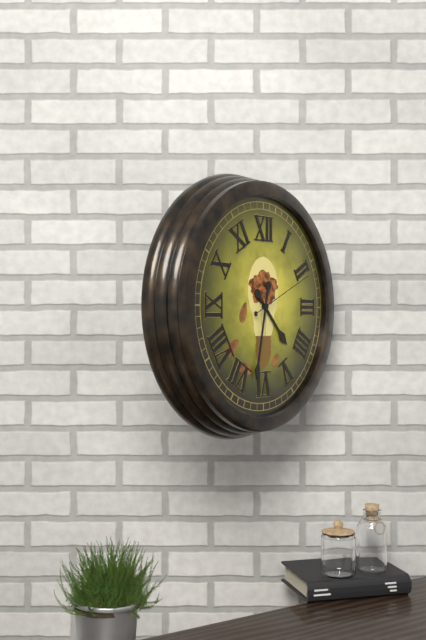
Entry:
h=4 m=32 s=11
